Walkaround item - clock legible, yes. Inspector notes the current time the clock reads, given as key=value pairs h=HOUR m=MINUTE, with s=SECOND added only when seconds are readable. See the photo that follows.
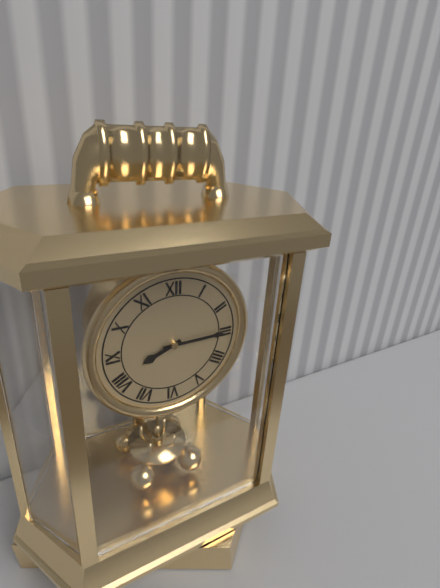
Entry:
h=8 m=15
